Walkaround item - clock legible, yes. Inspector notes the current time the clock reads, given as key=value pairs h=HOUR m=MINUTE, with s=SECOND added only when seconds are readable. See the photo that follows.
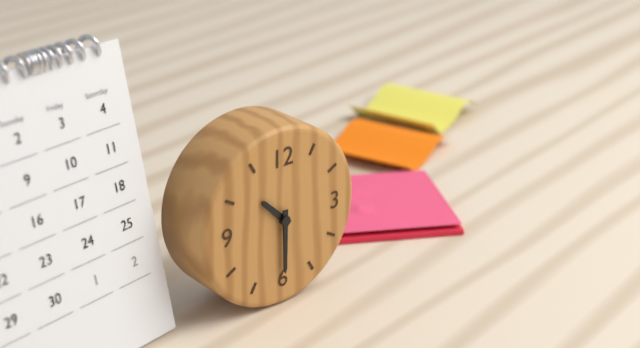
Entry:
h=10 m=30
